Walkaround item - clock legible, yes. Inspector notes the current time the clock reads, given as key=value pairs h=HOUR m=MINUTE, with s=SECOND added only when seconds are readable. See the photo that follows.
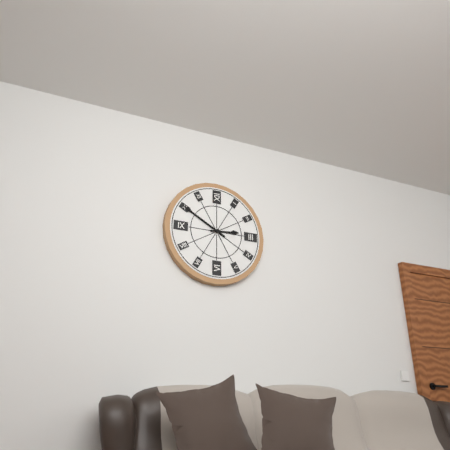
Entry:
h=2 m=50
